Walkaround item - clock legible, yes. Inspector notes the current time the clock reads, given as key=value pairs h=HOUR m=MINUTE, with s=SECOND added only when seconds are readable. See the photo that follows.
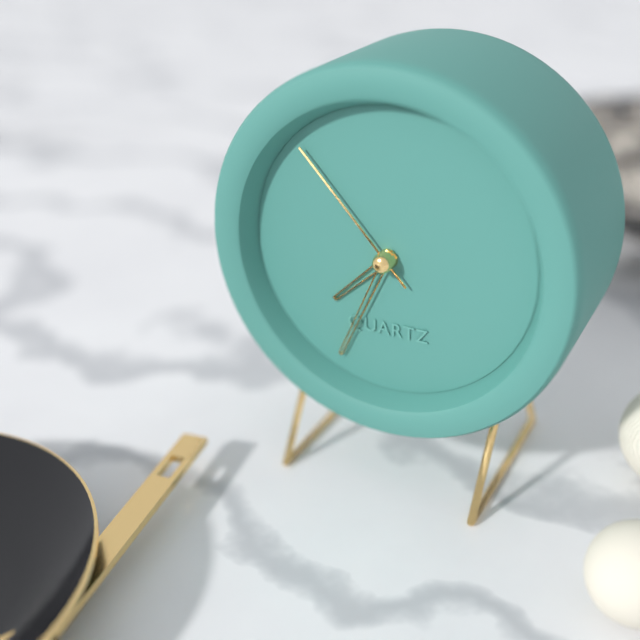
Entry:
h=7 m=34 s=53
